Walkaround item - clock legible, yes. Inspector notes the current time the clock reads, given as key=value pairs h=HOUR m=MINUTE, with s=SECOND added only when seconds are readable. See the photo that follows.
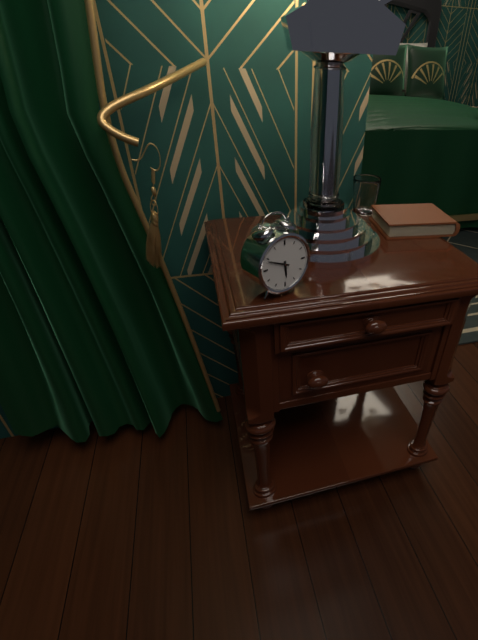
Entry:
h=5 m=49
